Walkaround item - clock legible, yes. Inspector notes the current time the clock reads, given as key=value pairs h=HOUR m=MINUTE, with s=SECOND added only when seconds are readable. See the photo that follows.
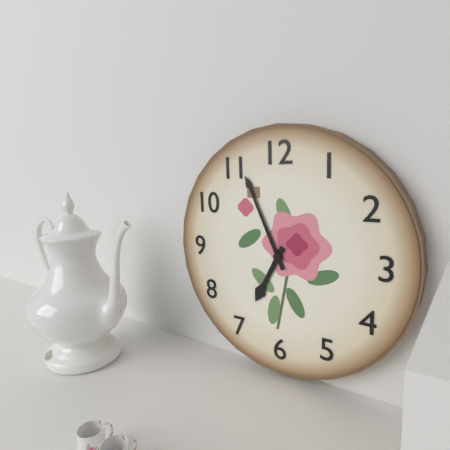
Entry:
h=6 m=56
